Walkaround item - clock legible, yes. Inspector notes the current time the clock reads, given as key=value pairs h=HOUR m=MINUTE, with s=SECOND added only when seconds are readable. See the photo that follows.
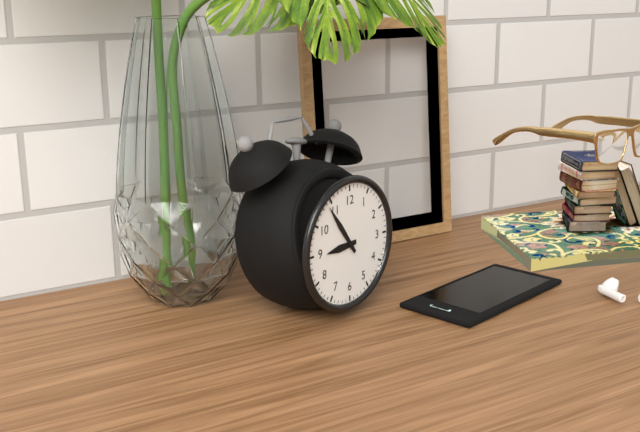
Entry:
h=8 m=54
